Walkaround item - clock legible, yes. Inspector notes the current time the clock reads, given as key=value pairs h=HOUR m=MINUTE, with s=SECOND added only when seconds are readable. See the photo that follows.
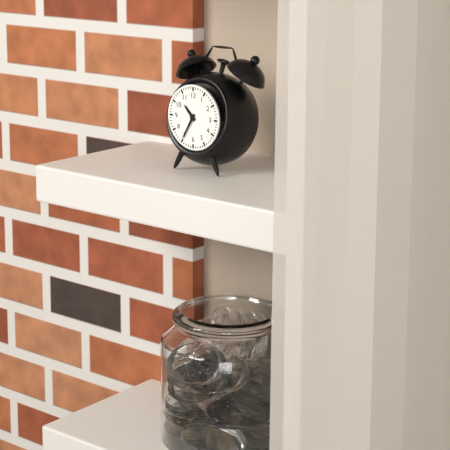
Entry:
h=10 m=35
